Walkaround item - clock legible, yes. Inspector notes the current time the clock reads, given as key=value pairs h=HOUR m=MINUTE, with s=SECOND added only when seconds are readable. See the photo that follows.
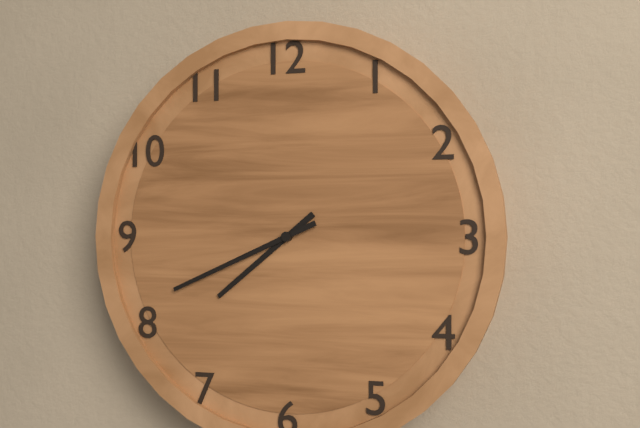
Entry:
h=7 m=41
